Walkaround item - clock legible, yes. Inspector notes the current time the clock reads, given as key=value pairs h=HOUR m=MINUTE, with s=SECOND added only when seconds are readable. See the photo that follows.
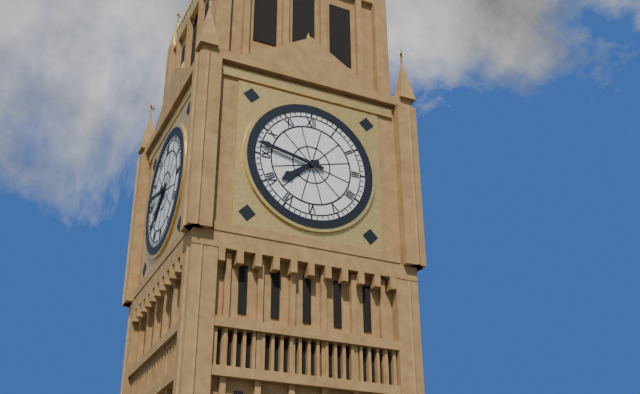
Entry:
h=7 m=47
